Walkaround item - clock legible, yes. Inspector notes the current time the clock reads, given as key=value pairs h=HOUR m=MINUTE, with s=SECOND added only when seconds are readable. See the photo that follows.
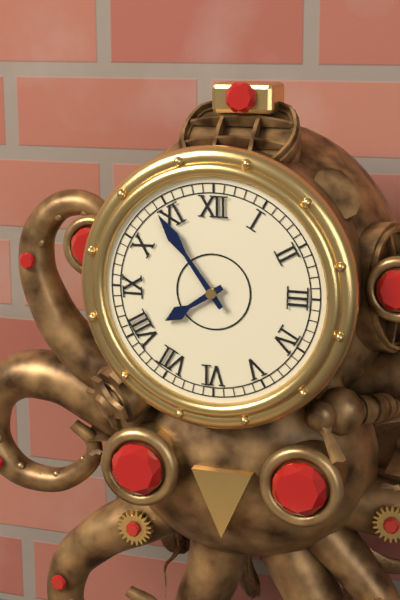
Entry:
h=7 m=54
